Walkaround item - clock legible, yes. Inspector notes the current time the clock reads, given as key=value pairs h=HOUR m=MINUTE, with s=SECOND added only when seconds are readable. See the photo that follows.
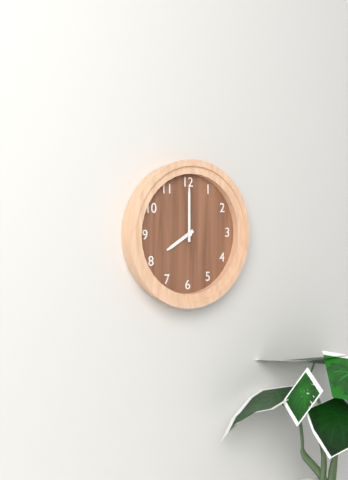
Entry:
h=8 m=0
